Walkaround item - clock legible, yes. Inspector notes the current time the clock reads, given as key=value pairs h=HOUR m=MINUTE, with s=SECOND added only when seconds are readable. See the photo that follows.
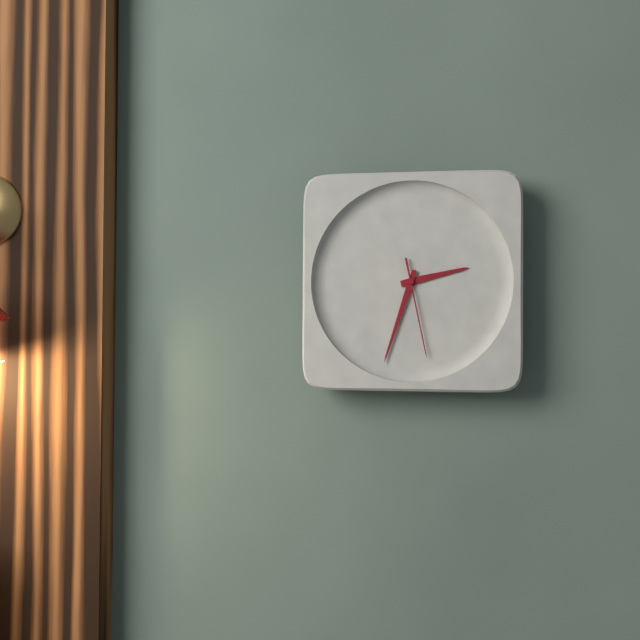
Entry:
h=2 m=33 s=28
